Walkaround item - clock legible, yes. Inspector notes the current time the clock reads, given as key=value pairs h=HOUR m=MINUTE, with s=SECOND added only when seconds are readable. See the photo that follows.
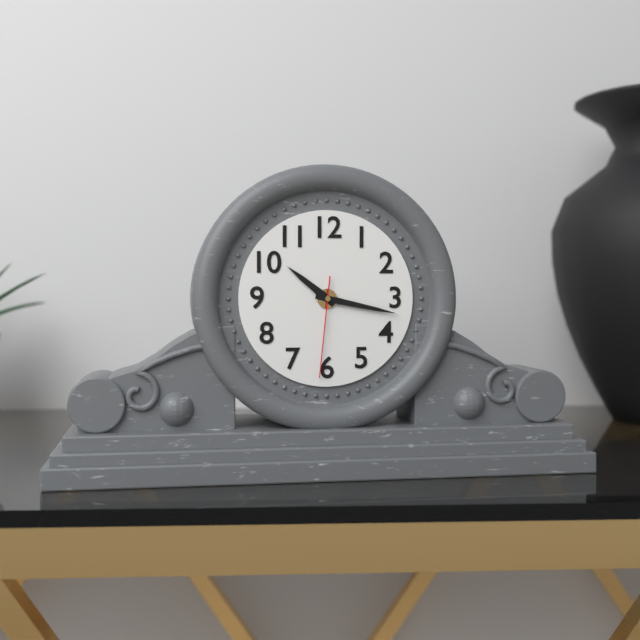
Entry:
h=10 m=17 s=31
